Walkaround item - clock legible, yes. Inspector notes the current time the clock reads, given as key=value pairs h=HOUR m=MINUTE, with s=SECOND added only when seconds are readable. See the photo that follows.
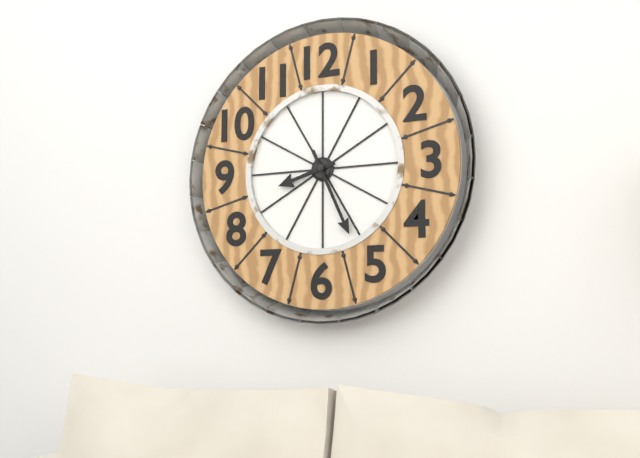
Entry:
h=8 m=26
